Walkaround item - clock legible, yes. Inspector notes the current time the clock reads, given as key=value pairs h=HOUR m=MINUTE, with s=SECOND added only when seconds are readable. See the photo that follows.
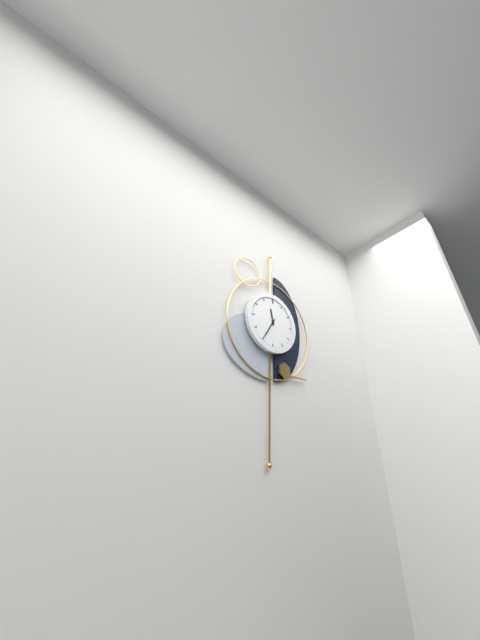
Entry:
h=11 m=35
